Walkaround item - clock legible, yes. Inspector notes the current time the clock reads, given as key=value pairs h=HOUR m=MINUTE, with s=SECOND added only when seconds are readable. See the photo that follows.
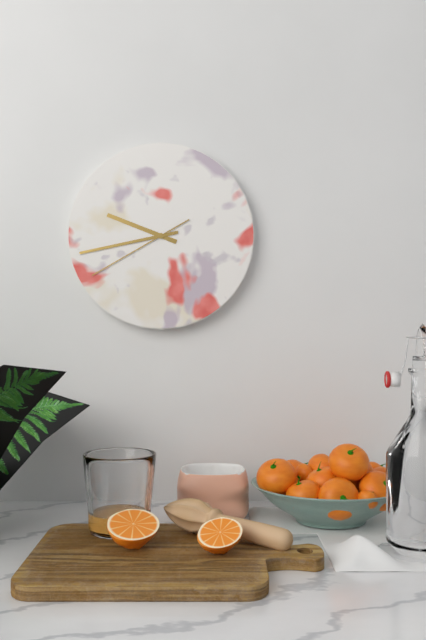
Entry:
h=9 m=43 s=40
